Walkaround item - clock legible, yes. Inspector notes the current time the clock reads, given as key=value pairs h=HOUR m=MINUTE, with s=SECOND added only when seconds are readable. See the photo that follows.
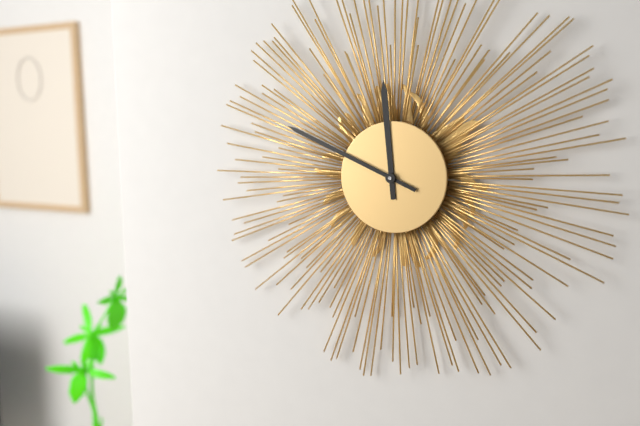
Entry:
h=11 m=49
